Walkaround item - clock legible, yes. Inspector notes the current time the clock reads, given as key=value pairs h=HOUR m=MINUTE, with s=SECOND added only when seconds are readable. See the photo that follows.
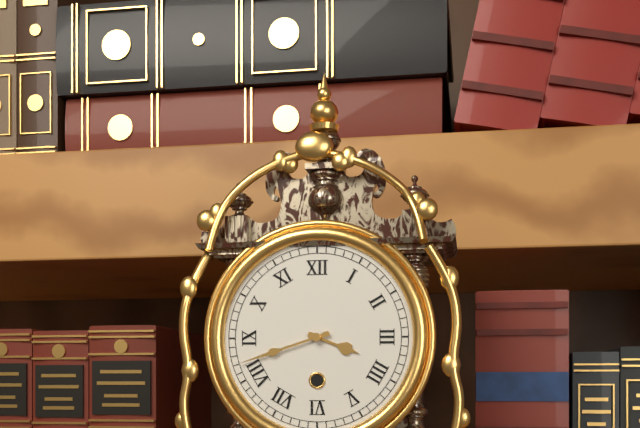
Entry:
h=3 m=42
